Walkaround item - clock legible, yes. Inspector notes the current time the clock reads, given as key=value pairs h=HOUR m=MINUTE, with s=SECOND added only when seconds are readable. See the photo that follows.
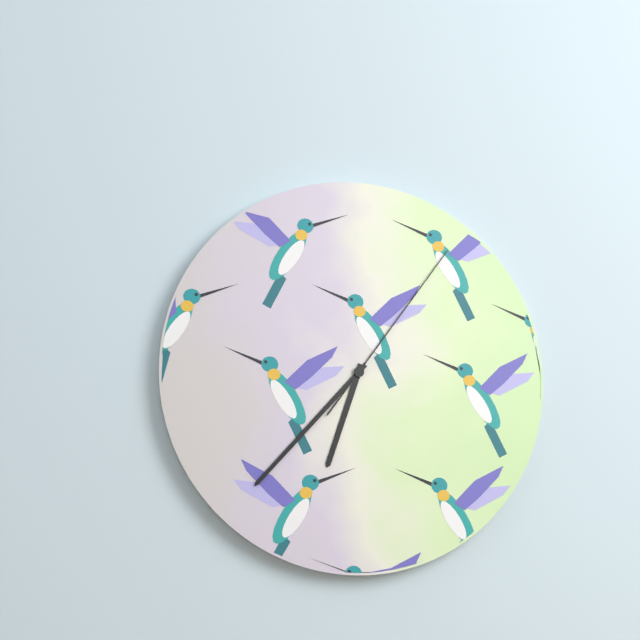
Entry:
h=6 m=37 s=6
